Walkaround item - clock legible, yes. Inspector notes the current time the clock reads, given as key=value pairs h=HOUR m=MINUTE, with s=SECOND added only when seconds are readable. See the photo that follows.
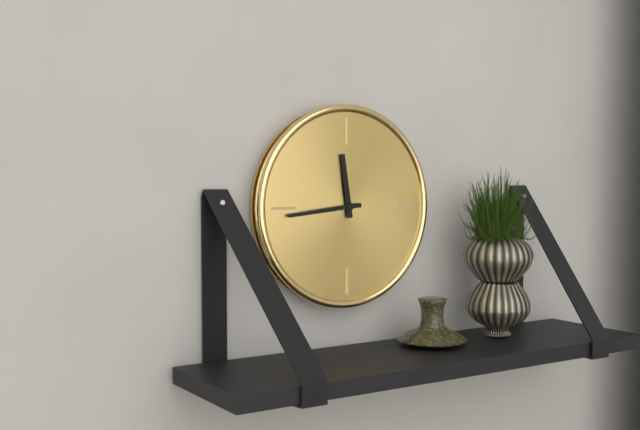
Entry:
h=11 m=44
